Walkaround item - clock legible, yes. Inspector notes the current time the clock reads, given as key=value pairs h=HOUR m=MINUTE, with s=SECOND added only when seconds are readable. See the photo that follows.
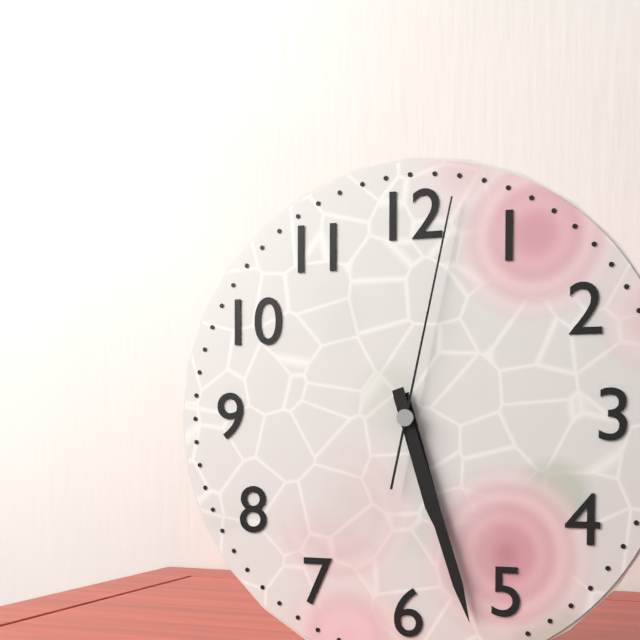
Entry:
h=5 m=27 s=2
